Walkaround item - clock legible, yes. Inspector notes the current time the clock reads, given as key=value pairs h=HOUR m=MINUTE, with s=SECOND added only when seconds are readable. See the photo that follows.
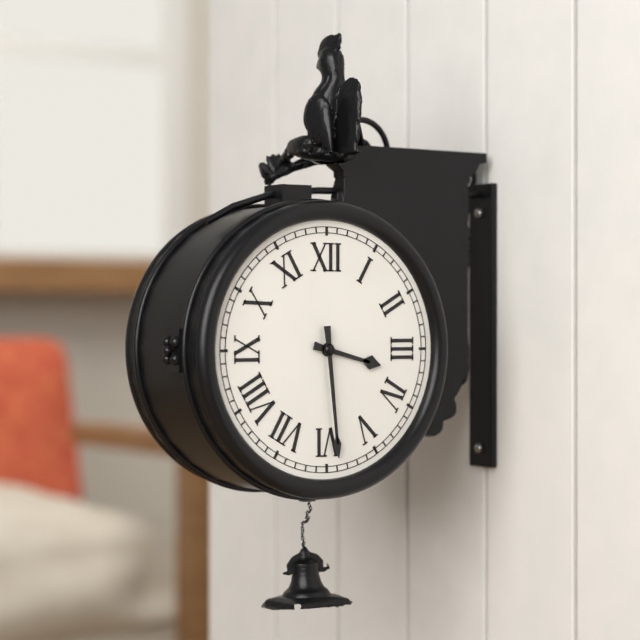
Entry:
h=3 m=29
